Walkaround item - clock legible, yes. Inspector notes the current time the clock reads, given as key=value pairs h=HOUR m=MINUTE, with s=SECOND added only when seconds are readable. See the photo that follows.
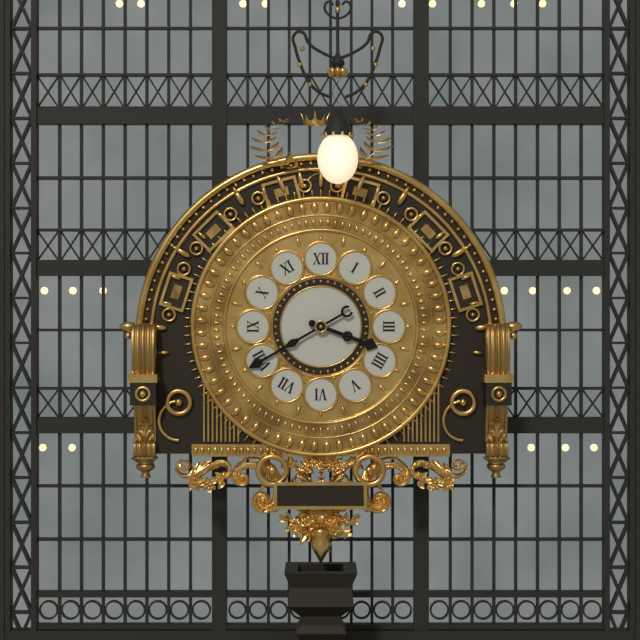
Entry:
h=3 m=40
